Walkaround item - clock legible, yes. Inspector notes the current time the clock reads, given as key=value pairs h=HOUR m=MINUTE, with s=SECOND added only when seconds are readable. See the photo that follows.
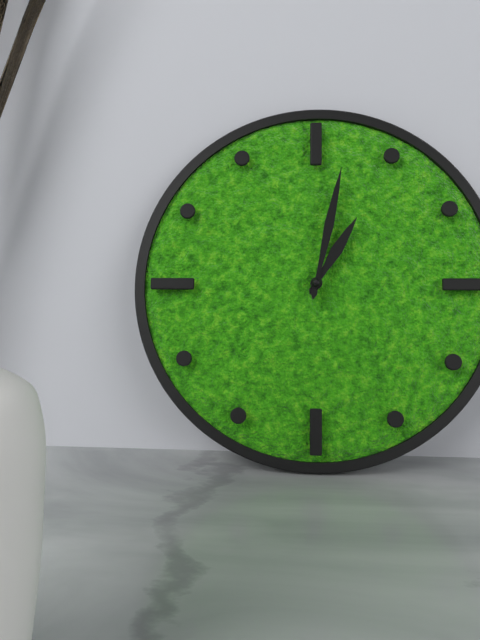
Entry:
h=1 m=2
